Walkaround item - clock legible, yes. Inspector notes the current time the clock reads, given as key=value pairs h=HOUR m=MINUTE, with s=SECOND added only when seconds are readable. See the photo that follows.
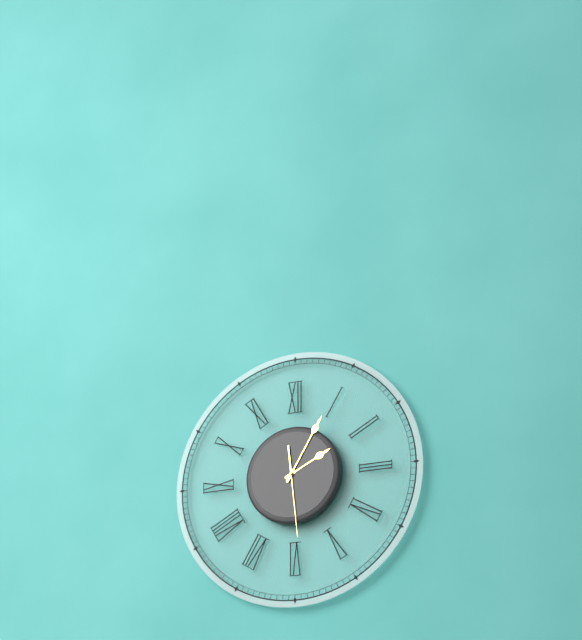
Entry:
h=2 m=5 s=29
